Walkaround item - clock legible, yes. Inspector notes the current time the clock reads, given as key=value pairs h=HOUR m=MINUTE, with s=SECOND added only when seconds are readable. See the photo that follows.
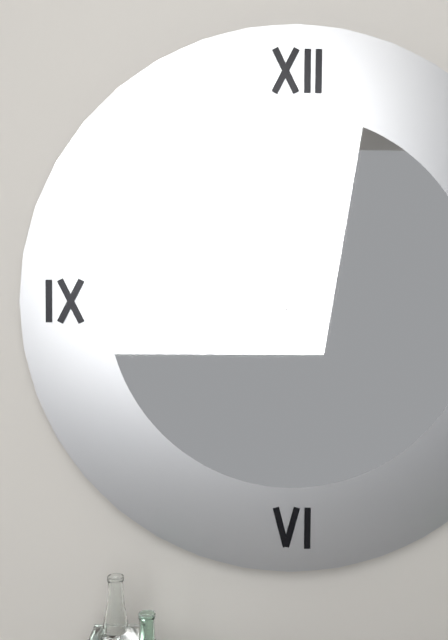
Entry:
h=12 m=43
